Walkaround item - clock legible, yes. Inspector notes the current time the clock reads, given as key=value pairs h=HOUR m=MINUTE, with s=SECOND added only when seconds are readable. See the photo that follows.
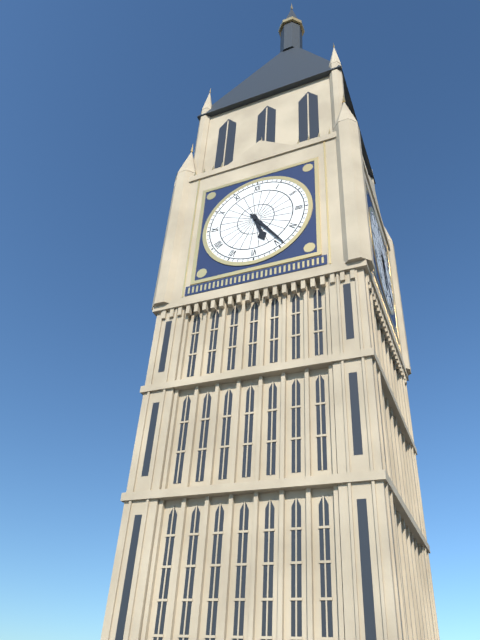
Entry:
h=5 m=24
